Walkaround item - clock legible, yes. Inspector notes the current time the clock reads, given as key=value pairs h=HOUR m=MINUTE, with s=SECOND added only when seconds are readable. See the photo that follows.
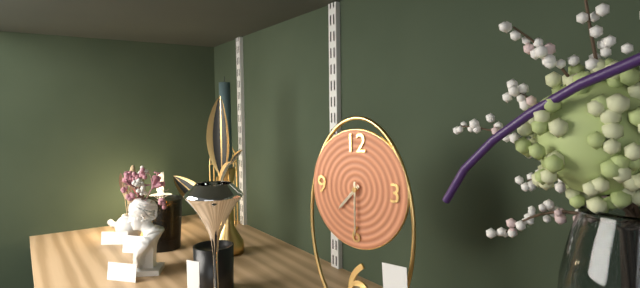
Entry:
h=7 m=30
